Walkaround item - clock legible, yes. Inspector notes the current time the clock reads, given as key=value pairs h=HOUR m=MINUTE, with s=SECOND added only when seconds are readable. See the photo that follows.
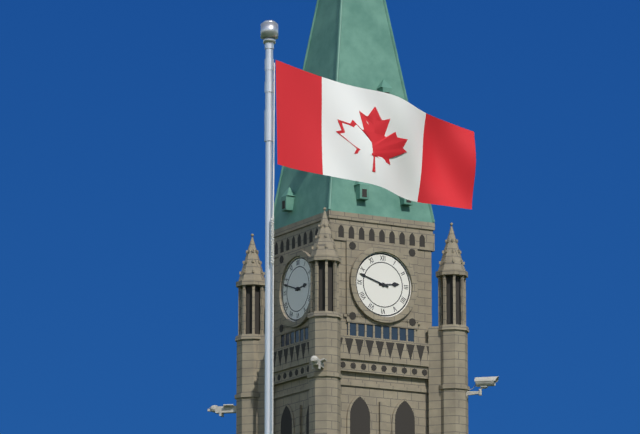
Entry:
h=2 m=48
